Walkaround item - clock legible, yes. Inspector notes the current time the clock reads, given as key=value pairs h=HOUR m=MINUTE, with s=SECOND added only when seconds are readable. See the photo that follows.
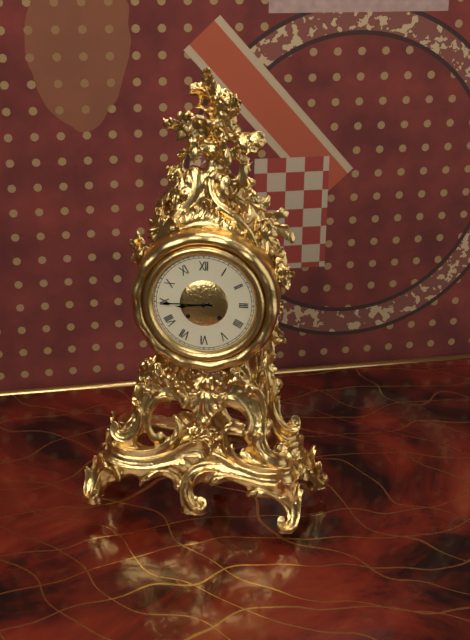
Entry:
h=8 m=45
